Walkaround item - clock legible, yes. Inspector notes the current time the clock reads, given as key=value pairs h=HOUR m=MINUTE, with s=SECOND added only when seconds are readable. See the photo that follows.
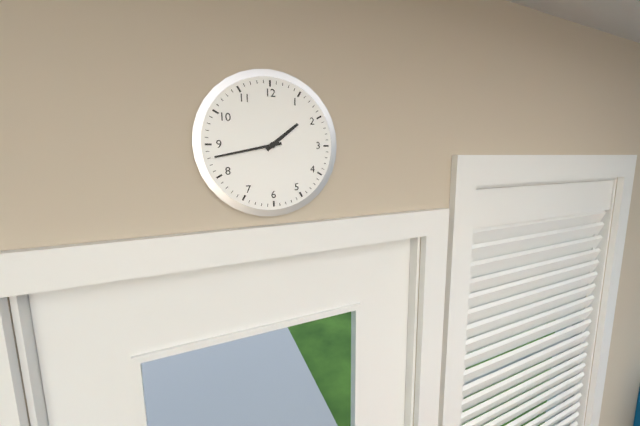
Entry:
h=1 m=43
